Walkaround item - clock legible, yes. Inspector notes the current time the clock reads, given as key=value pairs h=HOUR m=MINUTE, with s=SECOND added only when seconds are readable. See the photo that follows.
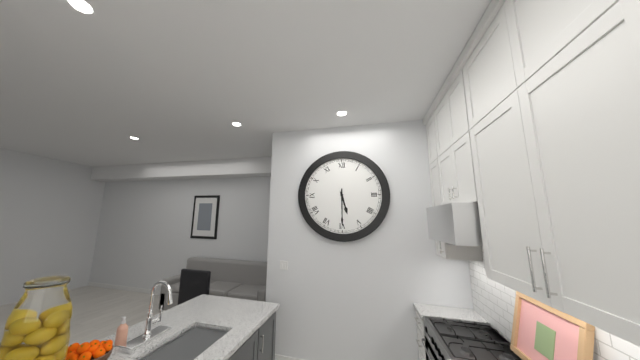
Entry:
h=5 m=30
